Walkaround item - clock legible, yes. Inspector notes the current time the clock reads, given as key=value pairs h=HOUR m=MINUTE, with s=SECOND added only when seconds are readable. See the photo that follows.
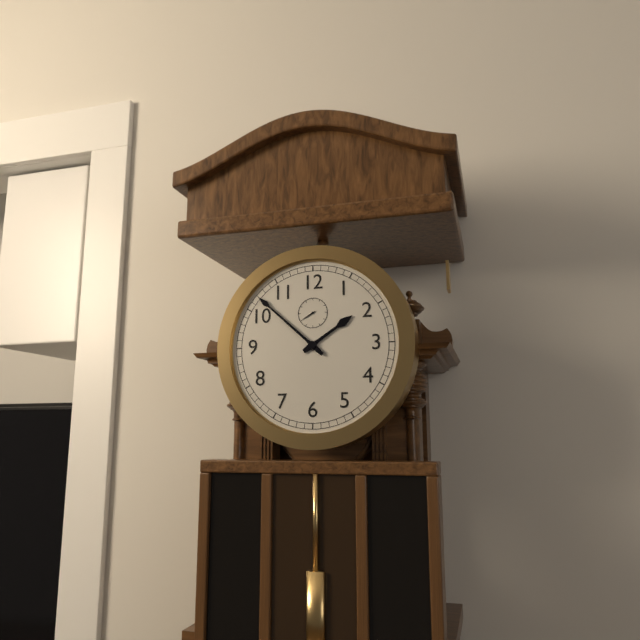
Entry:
h=1 m=52
